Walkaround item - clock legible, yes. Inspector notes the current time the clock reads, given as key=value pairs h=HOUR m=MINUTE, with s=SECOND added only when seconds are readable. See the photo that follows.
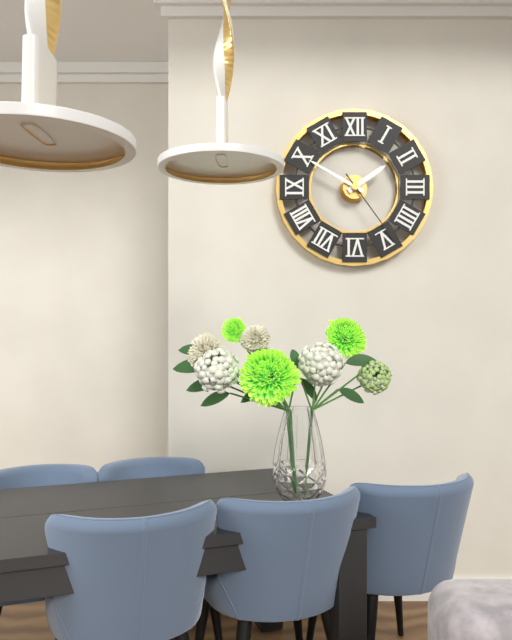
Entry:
h=1 m=50 s=24
